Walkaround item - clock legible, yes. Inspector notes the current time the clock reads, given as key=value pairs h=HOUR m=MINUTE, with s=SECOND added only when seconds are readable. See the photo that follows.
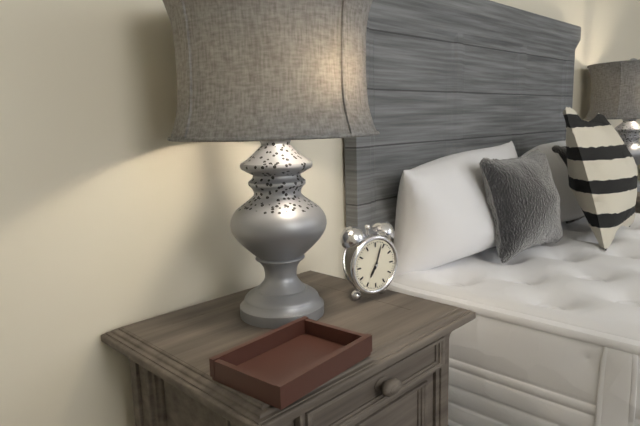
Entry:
h=7 m=3
